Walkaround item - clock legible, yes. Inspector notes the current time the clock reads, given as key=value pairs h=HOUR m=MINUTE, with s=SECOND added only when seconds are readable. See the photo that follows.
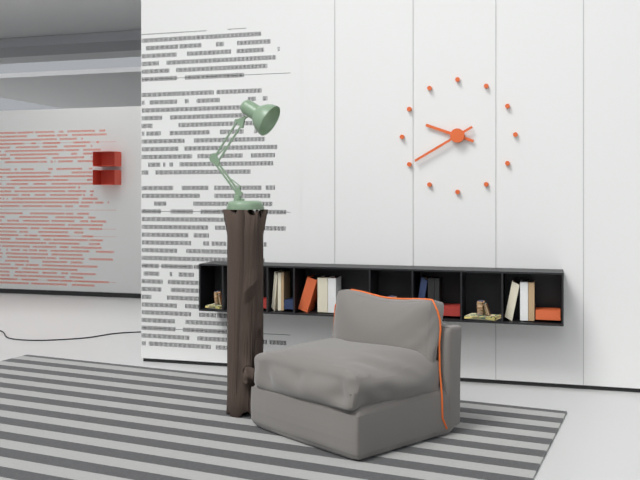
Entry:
h=9 m=40
